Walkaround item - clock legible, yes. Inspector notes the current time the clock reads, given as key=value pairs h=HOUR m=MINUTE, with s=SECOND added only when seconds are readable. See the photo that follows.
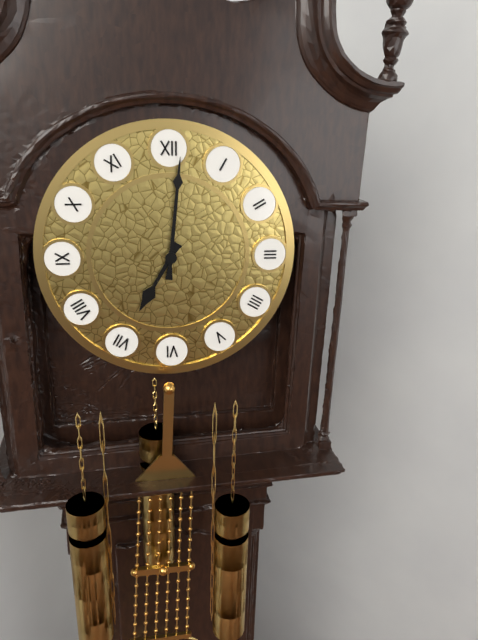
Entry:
h=7 m=1
